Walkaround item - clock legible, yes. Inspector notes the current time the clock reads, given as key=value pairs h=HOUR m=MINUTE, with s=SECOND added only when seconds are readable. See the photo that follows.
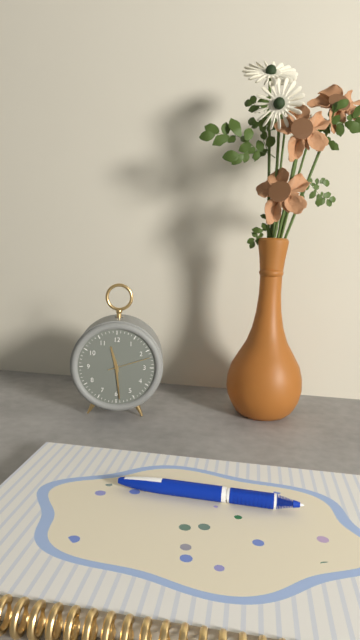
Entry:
h=11 m=29
